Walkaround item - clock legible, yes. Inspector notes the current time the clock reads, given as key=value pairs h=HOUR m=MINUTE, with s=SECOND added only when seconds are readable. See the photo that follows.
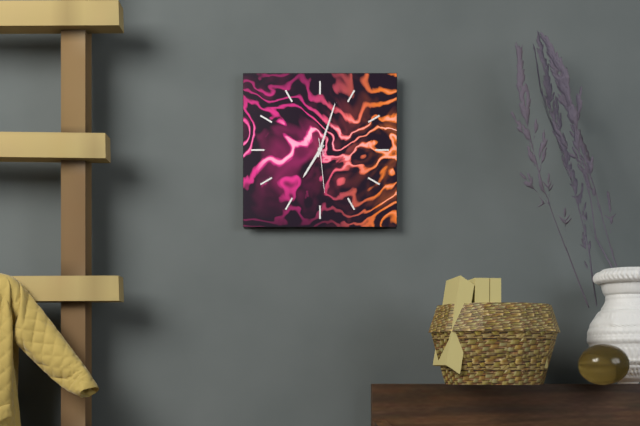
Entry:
h=7 m=3 s=29
